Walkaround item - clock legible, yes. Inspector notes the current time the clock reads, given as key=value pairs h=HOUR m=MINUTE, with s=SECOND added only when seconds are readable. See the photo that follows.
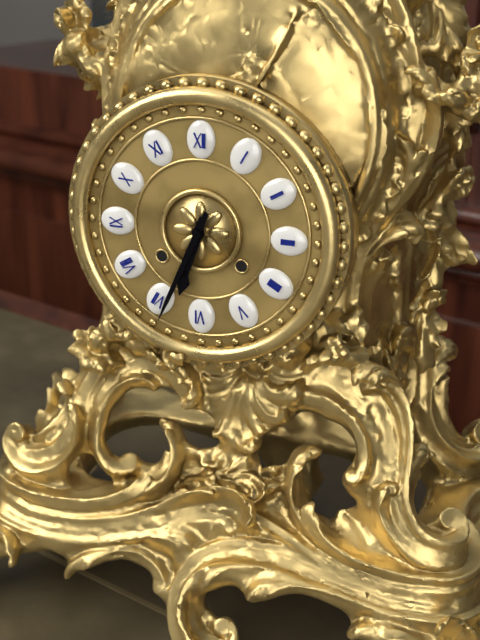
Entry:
h=6 m=34
